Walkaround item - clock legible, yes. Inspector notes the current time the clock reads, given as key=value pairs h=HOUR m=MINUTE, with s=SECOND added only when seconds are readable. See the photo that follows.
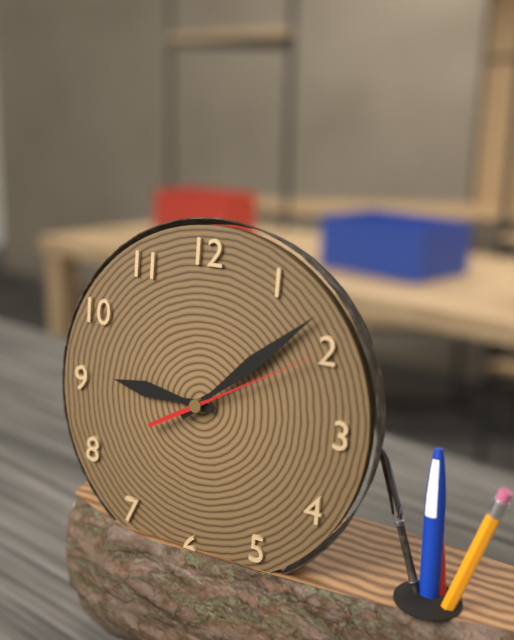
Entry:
h=9 m=8 s=10
